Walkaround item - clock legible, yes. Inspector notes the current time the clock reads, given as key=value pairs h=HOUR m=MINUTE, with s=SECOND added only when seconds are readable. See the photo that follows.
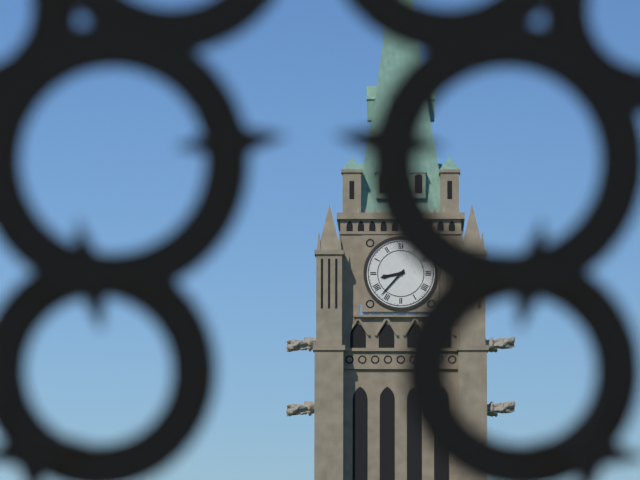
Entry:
h=8 m=37
